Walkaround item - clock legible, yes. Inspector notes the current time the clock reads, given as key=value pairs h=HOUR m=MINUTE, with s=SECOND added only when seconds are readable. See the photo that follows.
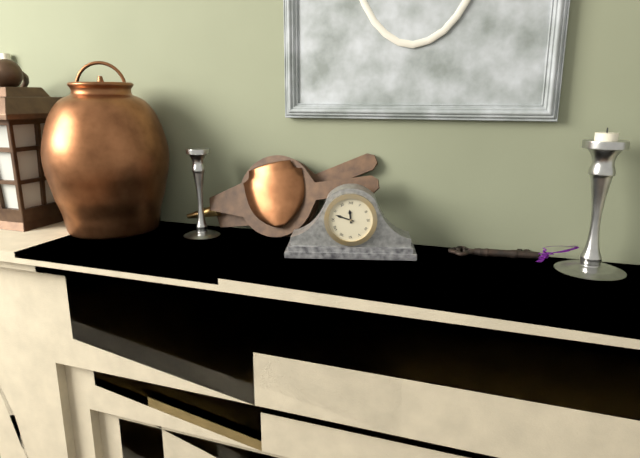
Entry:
h=11 m=48
